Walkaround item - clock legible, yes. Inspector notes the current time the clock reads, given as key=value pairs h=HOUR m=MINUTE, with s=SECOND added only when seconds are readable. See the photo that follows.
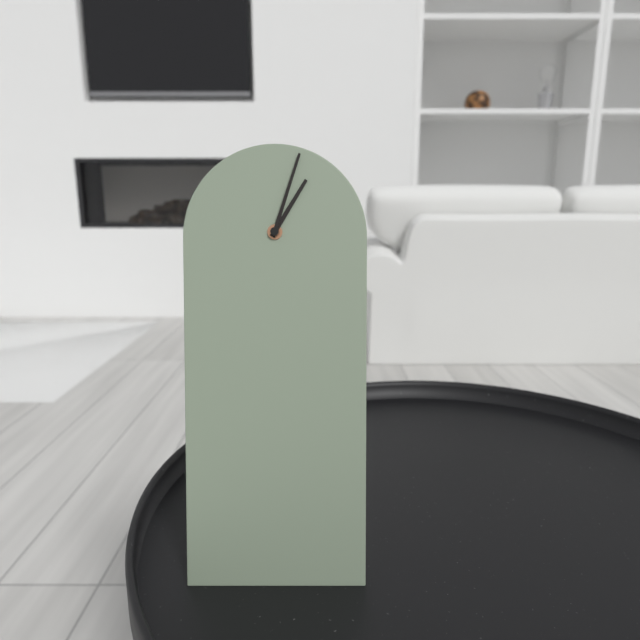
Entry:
h=1 m=3
